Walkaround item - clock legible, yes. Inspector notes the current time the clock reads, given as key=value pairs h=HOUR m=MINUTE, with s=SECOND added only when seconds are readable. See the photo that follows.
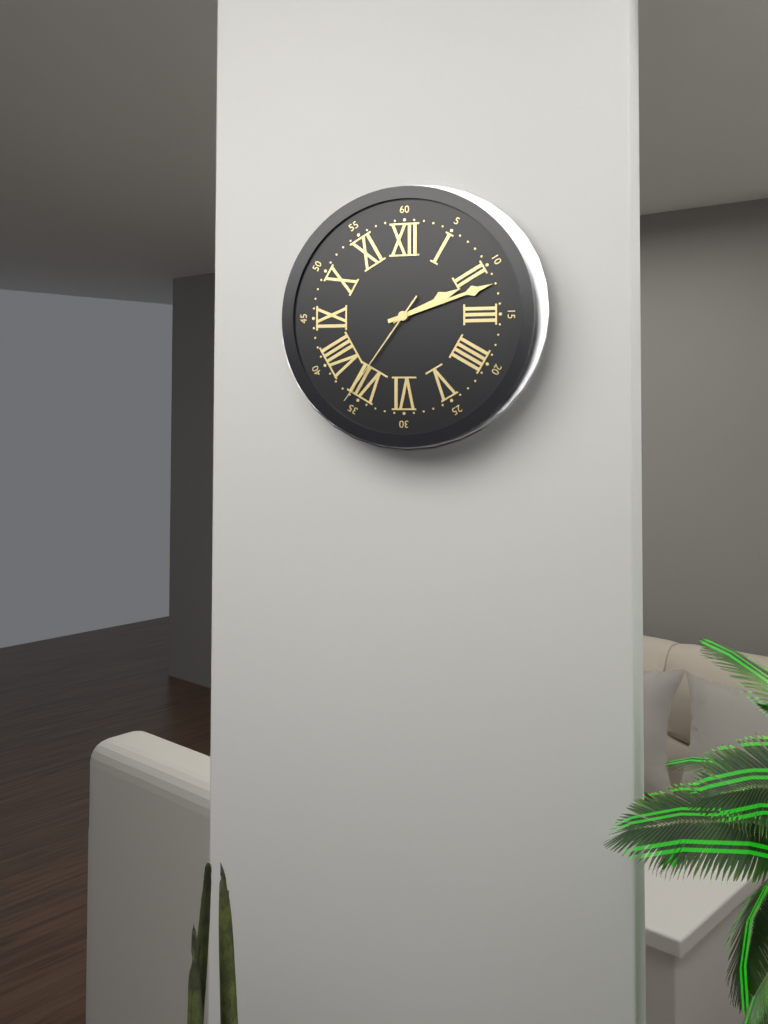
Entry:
h=2 m=12 s=36
